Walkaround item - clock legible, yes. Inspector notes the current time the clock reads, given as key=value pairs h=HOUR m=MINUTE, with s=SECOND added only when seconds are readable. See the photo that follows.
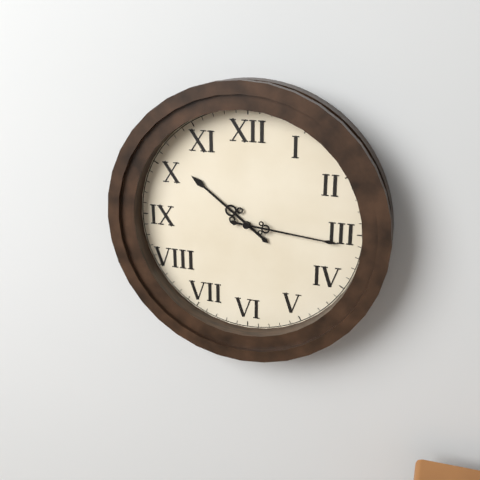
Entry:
h=10 m=16
